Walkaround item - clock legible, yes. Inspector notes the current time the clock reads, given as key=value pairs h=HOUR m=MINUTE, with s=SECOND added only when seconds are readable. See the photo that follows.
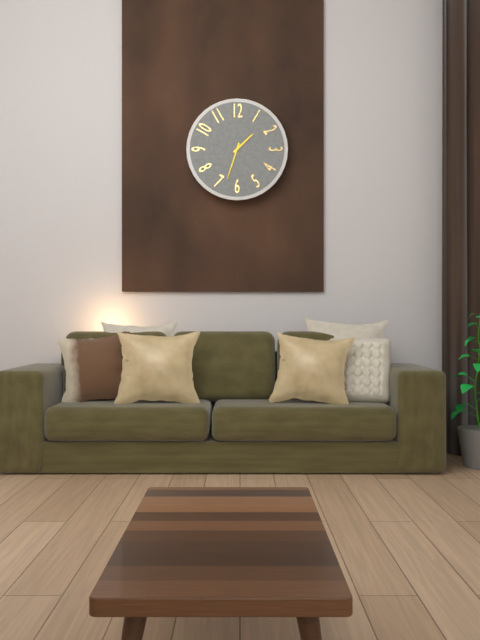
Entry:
h=1 m=33
